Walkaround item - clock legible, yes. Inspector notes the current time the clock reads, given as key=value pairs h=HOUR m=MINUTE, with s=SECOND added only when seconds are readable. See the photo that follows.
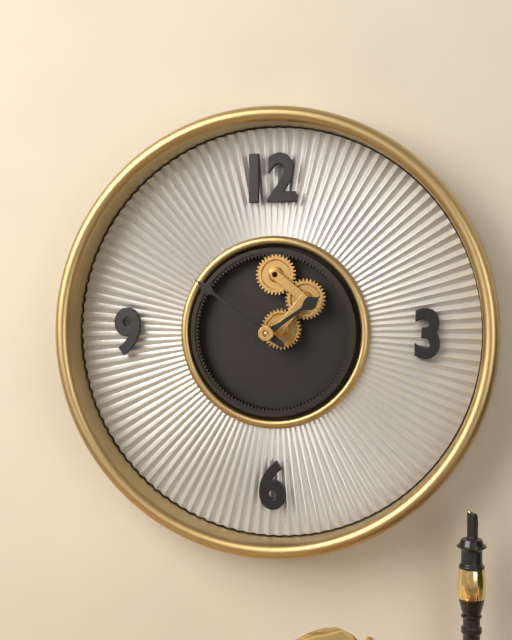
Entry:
h=1 m=51
